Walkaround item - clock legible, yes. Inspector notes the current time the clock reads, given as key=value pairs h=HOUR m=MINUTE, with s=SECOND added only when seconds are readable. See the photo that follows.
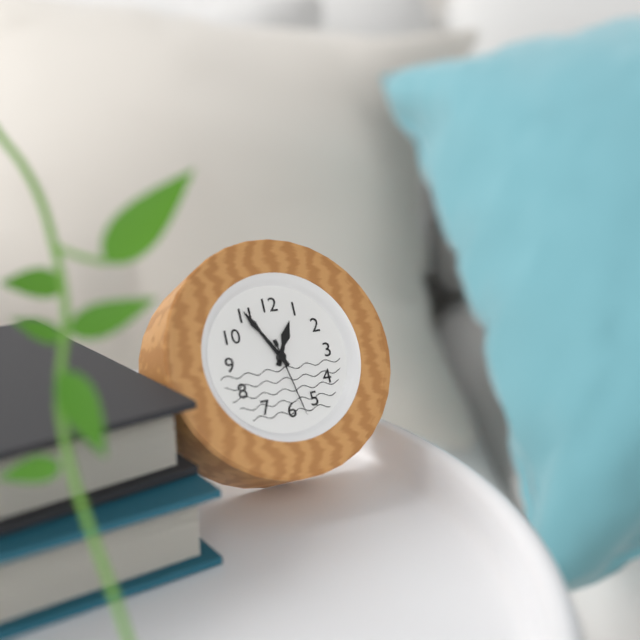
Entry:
h=12 m=55 s=28
